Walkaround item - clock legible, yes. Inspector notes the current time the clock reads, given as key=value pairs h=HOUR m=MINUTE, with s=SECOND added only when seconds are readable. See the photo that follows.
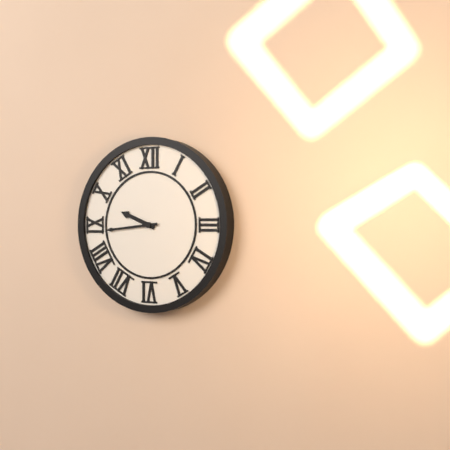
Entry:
h=9 m=44
